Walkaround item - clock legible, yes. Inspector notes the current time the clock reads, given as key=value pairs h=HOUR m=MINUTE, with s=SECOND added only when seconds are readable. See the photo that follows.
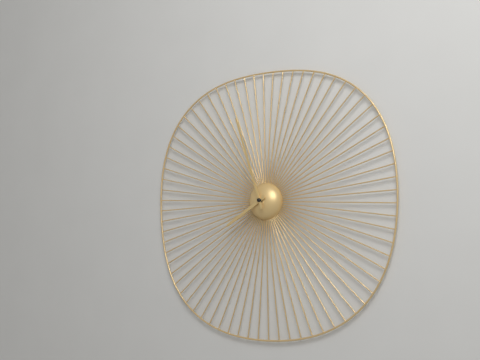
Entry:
h=7 m=57
